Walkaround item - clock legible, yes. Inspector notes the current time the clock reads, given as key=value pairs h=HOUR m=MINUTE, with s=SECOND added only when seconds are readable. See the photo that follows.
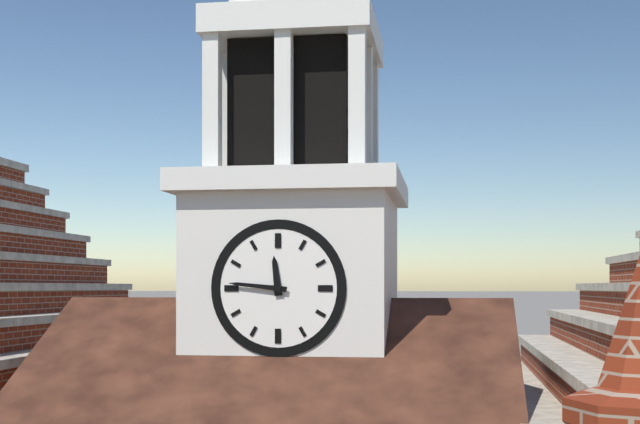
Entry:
h=11 m=46
